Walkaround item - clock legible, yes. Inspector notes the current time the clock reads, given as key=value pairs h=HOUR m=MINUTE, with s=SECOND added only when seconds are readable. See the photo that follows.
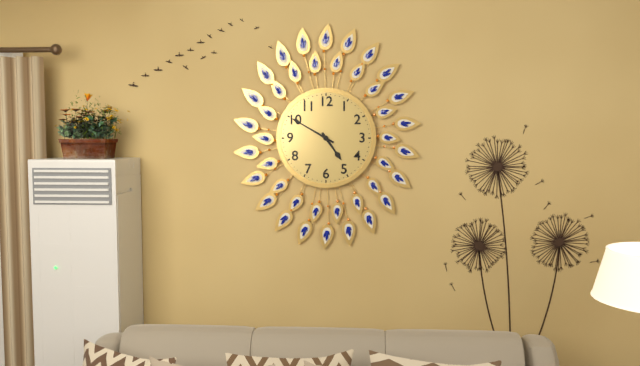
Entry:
h=4 m=50
